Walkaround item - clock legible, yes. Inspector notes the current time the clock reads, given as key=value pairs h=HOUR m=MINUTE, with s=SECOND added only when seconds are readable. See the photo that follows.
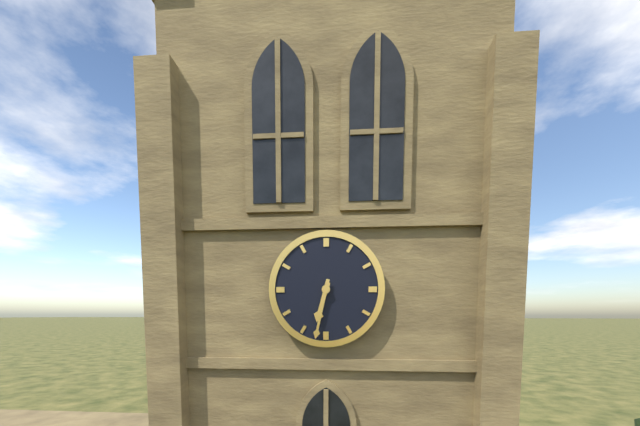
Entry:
h=6 m=32
